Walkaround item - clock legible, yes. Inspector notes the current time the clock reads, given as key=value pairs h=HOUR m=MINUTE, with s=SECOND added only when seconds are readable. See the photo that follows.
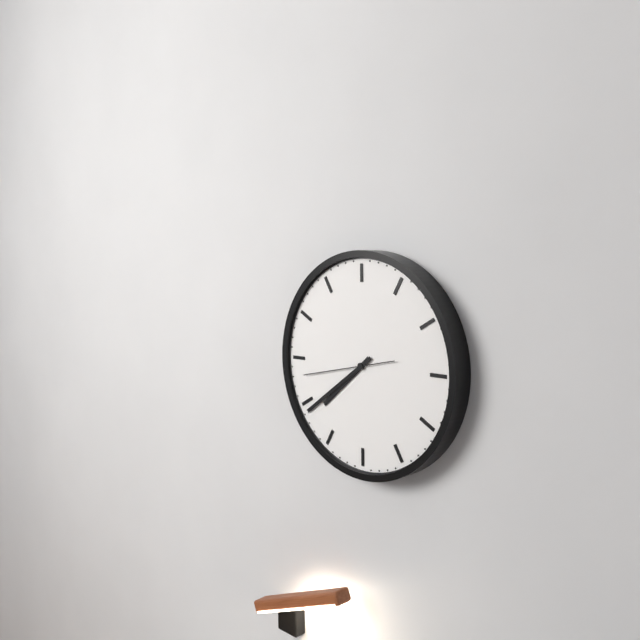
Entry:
h=7 m=39 s=43
